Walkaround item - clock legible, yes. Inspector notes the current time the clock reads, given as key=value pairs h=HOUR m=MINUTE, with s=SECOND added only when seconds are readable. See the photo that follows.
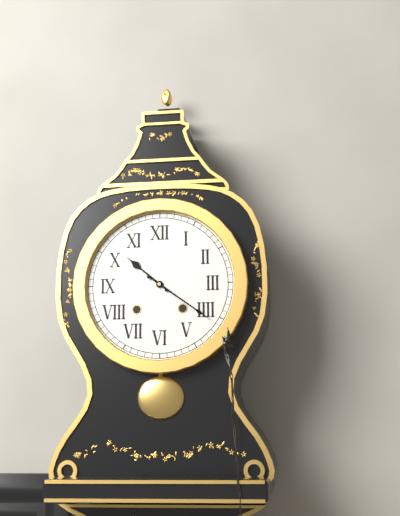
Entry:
h=10 m=21
